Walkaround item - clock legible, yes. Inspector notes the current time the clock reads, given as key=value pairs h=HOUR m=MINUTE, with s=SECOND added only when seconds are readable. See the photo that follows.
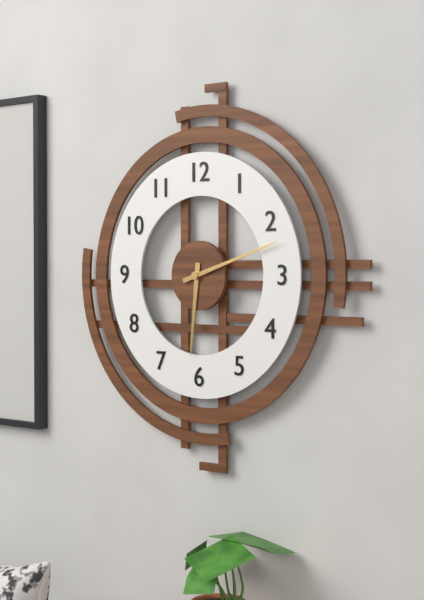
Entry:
h=6 m=12
